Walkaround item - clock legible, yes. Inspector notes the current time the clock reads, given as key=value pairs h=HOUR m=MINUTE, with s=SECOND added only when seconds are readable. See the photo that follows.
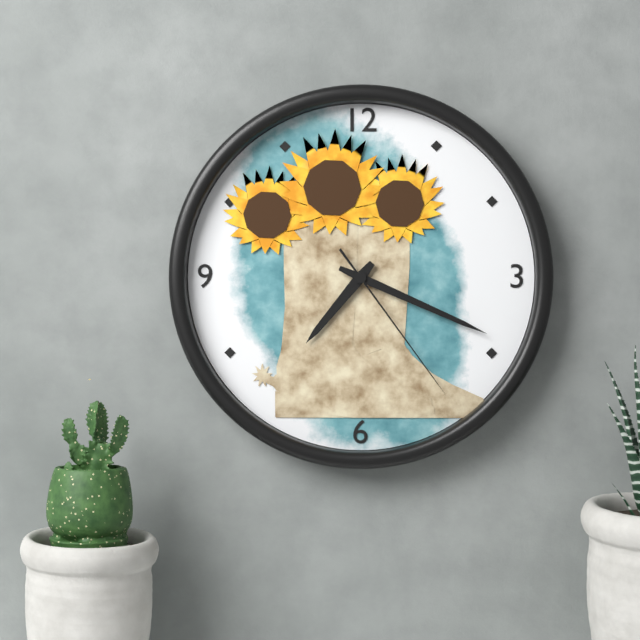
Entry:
h=7 m=19 s=24
